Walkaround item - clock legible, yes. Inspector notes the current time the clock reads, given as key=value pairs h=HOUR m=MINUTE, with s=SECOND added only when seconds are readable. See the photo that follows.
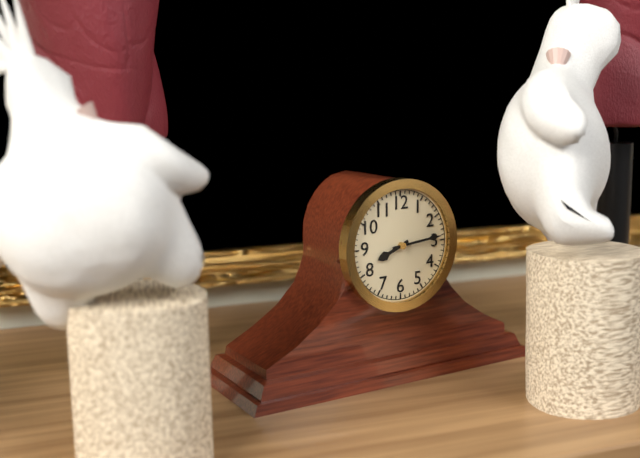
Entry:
h=8 m=14
